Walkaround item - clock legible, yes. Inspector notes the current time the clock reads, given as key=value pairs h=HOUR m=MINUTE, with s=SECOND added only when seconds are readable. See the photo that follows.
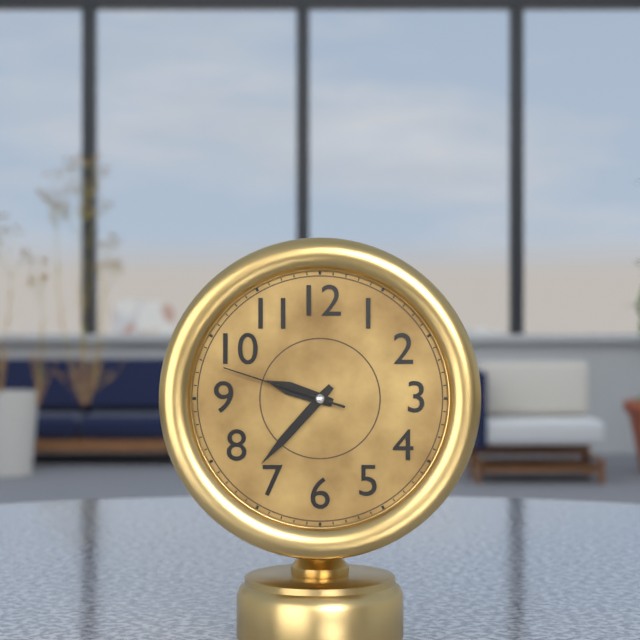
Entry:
h=9 m=37 s=48
